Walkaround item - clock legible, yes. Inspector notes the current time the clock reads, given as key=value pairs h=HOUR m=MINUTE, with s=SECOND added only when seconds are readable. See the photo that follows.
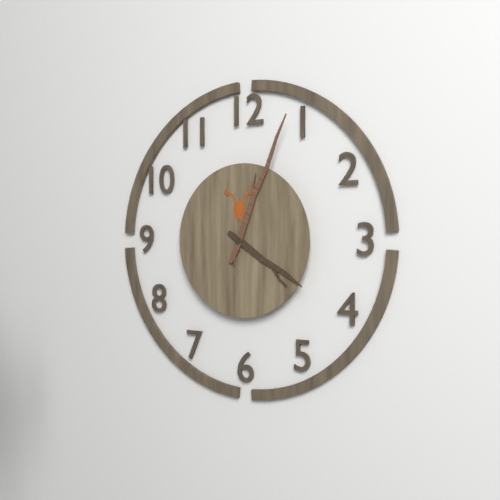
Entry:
h=4 m=4
